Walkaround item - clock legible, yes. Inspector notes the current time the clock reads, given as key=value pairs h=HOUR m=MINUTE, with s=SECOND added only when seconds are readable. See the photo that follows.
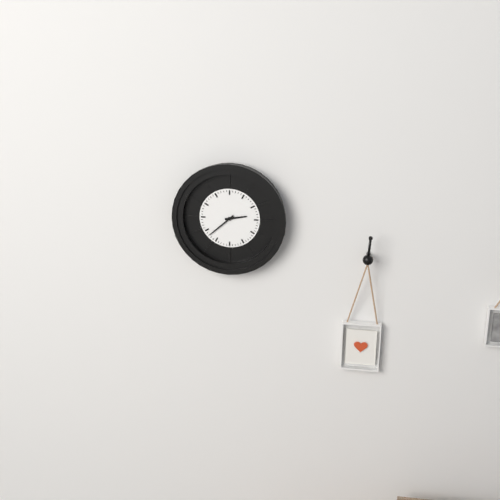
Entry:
h=2 m=38
